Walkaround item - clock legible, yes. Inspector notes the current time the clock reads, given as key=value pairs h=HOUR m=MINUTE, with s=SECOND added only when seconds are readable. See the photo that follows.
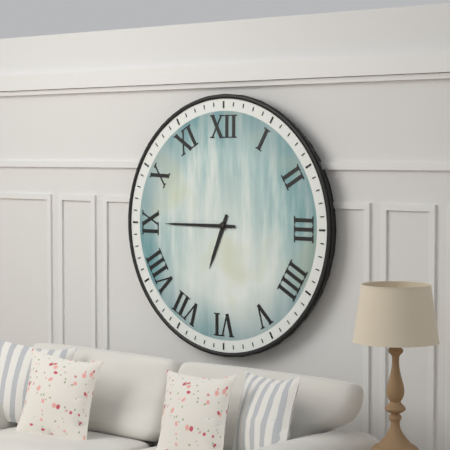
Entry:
h=6 m=45
